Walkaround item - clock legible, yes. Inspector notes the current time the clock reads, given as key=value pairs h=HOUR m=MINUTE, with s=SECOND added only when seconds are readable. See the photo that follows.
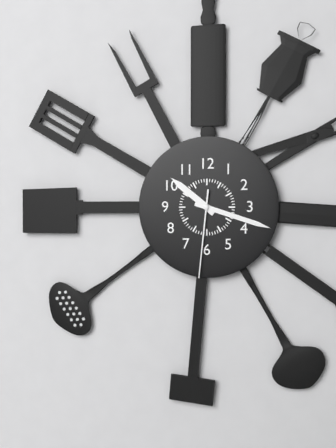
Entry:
h=10 m=18 s=31
